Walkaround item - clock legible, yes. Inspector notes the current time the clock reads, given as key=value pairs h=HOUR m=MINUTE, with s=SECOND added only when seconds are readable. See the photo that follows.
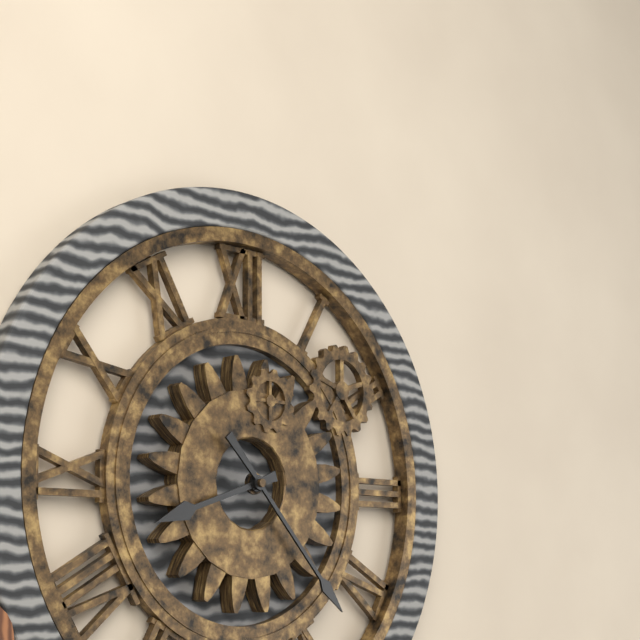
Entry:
h=8 m=23
